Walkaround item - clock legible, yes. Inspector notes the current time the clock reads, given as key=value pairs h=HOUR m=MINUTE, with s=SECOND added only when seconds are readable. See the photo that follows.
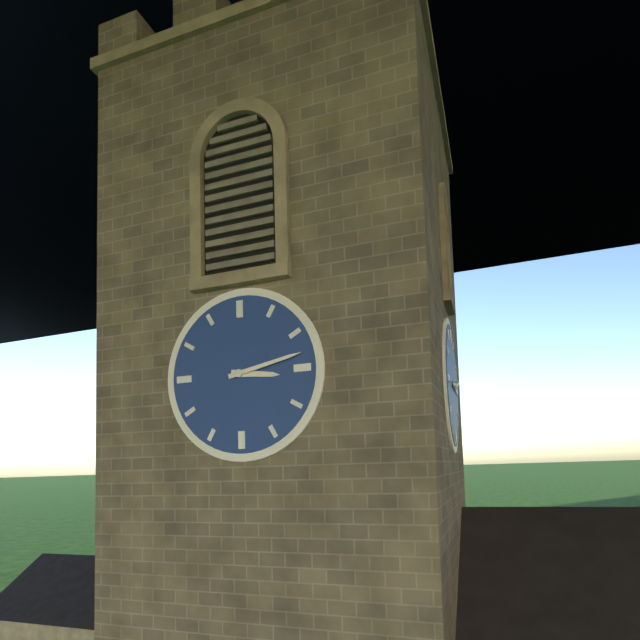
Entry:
h=3 m=13
